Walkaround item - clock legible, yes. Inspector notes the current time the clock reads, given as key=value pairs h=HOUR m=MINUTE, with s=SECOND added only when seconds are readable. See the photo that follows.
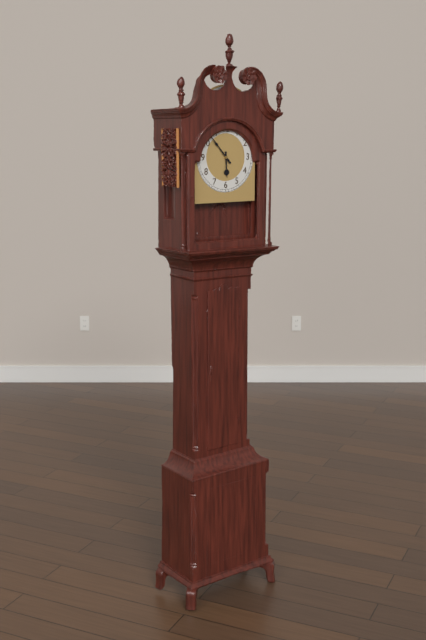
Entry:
h=5 m=53
